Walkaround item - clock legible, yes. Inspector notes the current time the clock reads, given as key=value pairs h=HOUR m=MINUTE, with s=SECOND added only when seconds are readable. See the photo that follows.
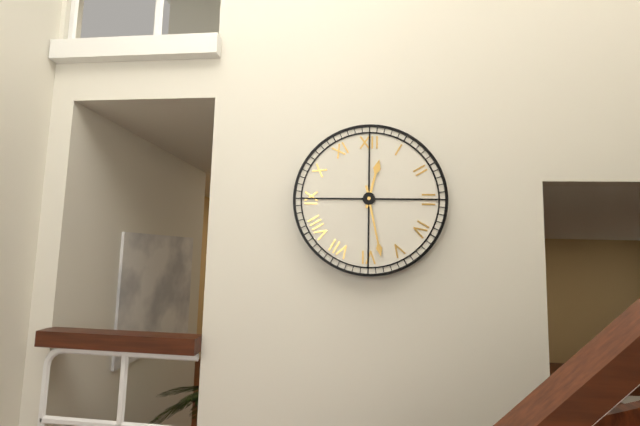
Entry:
h=12 m=28
